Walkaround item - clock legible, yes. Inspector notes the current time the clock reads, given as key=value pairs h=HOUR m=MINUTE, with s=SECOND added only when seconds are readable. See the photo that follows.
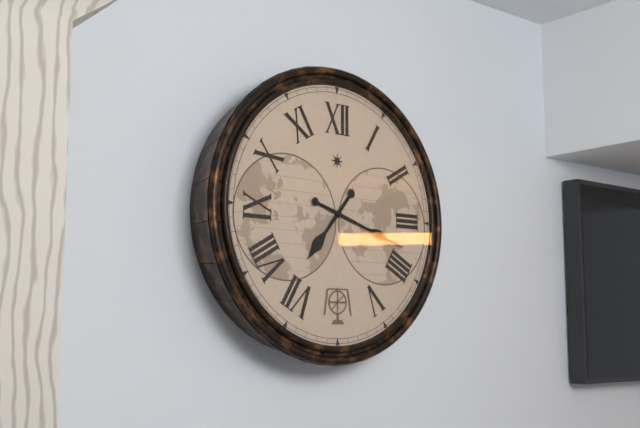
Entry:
h=7 m=18
